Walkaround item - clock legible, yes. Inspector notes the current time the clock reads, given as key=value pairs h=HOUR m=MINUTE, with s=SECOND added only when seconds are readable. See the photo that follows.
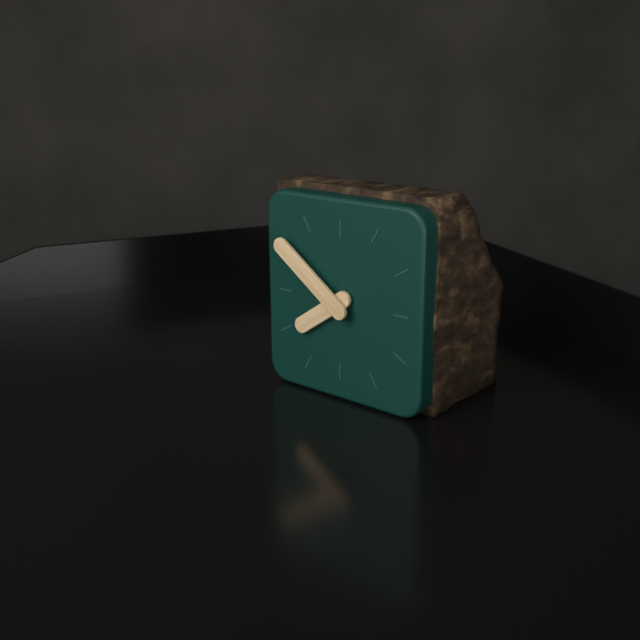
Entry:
h=7 m=51
